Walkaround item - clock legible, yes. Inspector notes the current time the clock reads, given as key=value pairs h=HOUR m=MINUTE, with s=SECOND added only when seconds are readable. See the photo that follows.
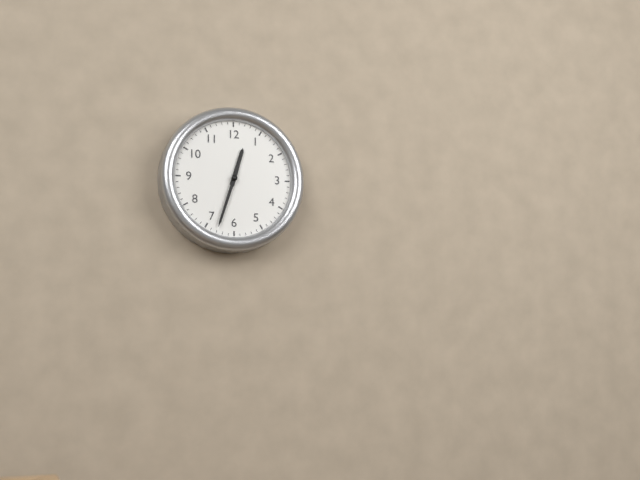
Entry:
h=12 m=33
